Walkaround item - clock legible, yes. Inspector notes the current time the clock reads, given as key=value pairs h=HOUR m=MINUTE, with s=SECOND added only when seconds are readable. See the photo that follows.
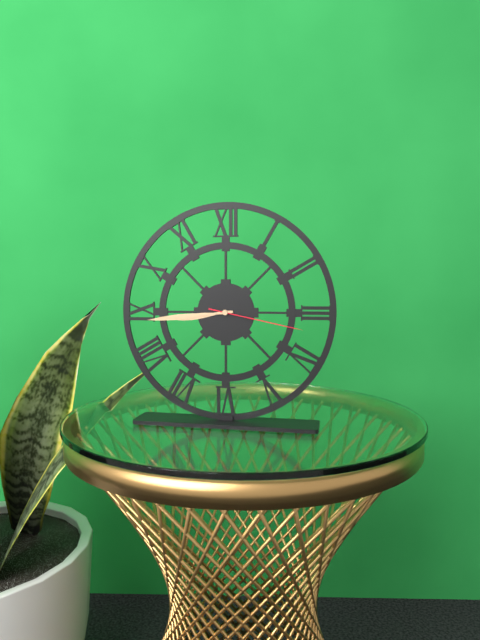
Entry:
h=8 m=44 s=17
